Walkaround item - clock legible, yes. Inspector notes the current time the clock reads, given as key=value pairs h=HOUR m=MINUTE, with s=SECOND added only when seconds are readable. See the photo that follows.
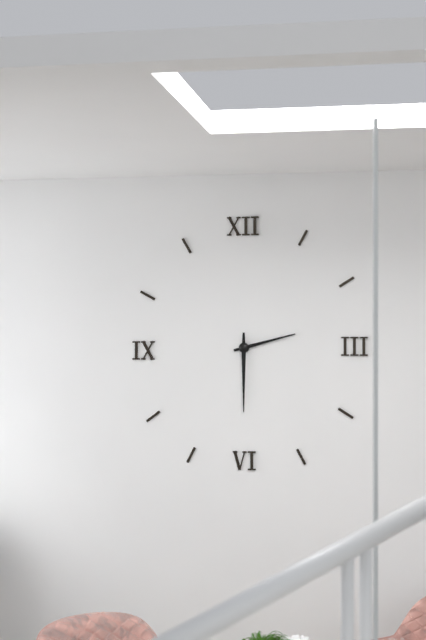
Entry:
h=2 m=30
